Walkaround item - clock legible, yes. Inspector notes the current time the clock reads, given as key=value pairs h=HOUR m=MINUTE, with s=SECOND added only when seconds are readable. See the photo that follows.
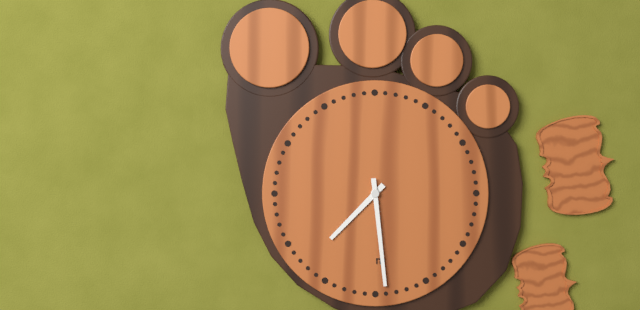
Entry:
h=7 m=29
